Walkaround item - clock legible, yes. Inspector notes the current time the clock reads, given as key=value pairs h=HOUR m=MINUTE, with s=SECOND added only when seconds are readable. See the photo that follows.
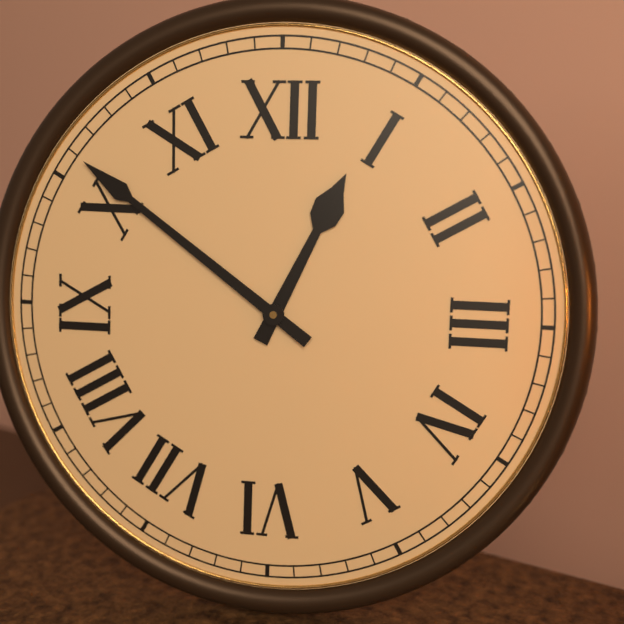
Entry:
h=12 m=51
